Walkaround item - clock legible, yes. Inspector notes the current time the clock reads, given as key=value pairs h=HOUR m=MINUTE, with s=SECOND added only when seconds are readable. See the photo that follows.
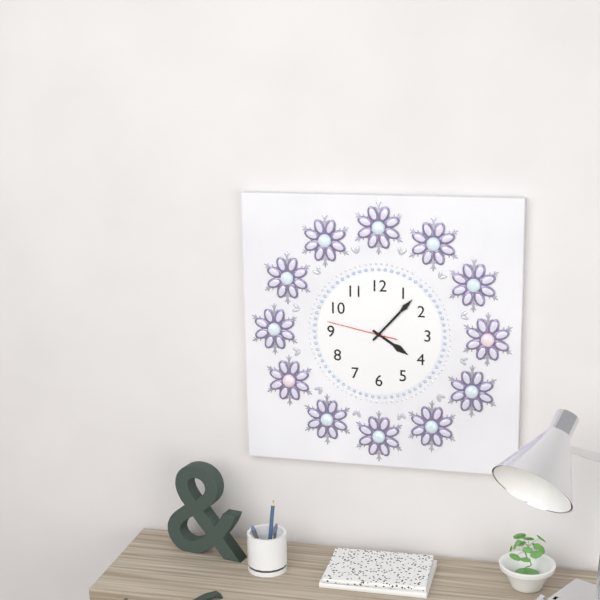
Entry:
h=4 m=7 s=47
